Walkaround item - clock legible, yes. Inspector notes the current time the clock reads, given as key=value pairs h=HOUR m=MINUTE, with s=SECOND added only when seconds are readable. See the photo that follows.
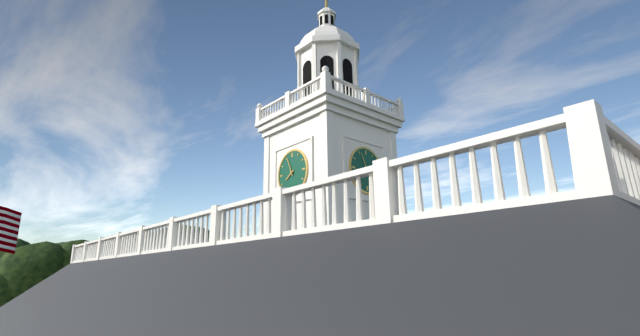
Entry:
h=7 m=56
